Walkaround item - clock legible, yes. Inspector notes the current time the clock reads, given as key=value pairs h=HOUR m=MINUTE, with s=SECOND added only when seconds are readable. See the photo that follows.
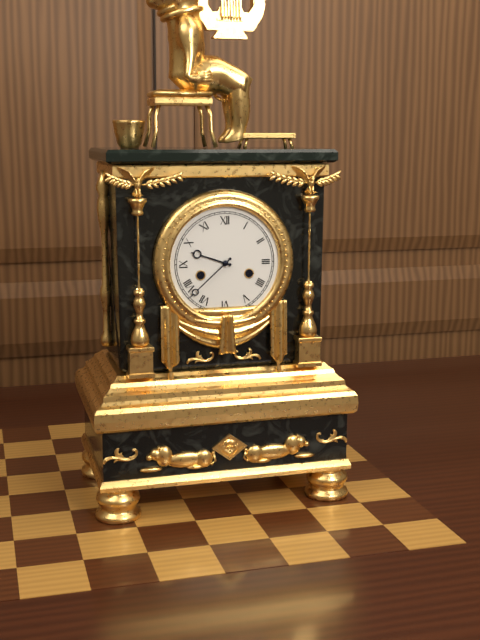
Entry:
h=9 m=38
